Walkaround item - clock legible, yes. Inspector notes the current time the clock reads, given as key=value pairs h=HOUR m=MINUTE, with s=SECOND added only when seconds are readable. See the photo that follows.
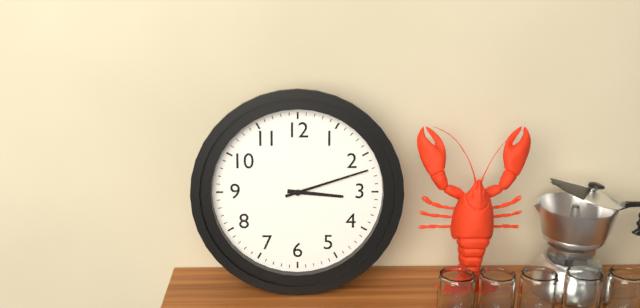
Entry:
h=3 m=12
